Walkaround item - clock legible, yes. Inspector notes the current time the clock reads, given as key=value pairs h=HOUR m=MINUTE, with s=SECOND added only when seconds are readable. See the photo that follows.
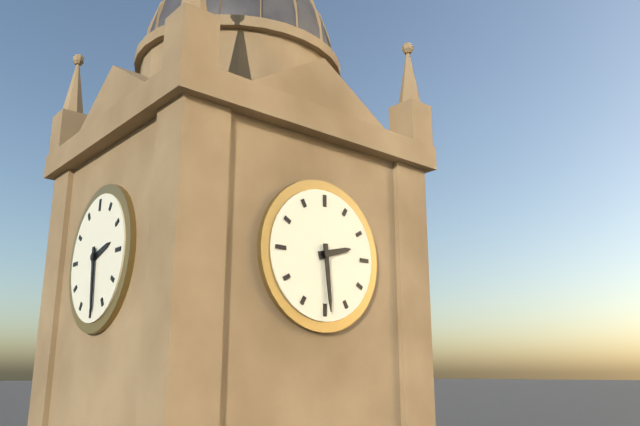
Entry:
h=2 m=29
